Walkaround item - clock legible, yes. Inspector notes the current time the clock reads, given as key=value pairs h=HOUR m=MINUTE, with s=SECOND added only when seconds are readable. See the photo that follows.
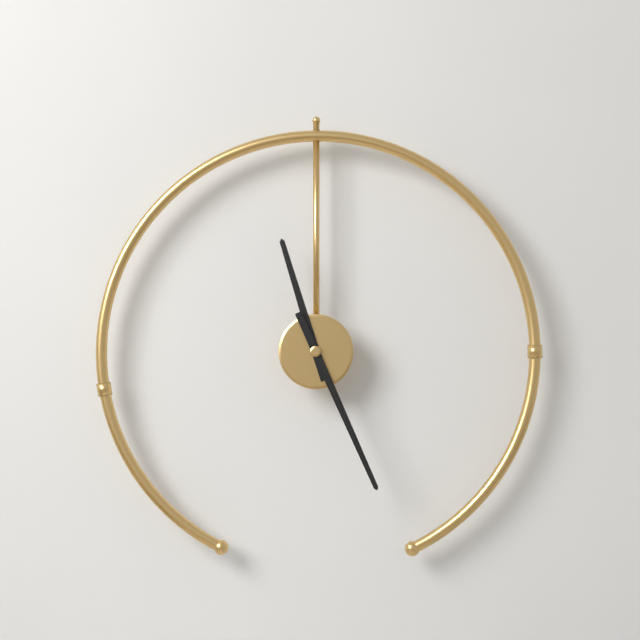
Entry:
h=11 m=26
